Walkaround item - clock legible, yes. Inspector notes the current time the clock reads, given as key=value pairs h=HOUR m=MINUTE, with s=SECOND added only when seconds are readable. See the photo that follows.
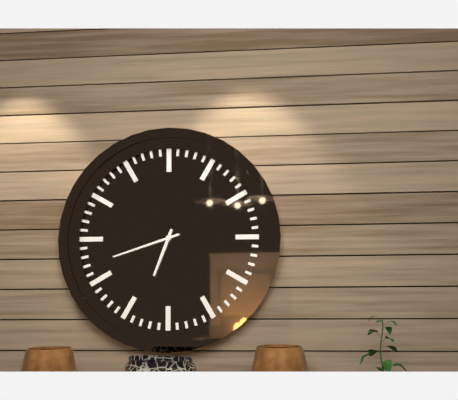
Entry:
h=6 m=42
